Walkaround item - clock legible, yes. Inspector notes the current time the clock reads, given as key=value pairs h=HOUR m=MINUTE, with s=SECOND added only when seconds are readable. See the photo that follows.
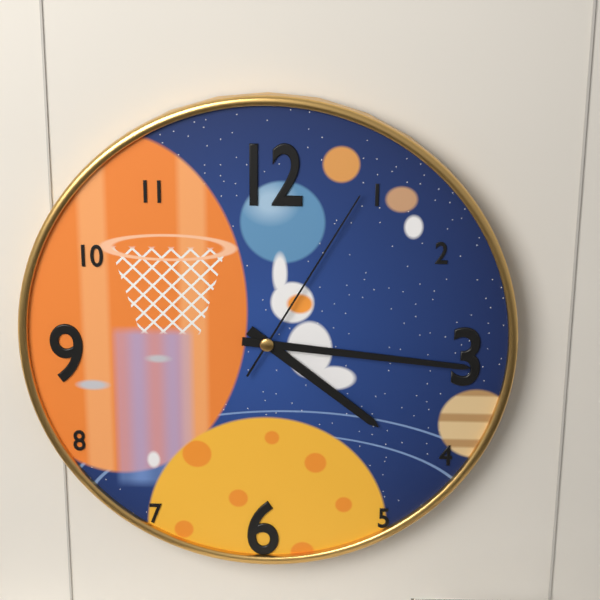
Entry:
h=4 m=16 s=5
